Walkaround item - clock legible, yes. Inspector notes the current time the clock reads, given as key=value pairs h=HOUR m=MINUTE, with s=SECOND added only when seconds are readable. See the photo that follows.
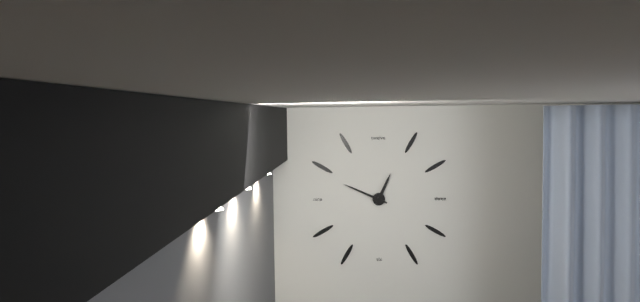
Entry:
h=12 m=49
